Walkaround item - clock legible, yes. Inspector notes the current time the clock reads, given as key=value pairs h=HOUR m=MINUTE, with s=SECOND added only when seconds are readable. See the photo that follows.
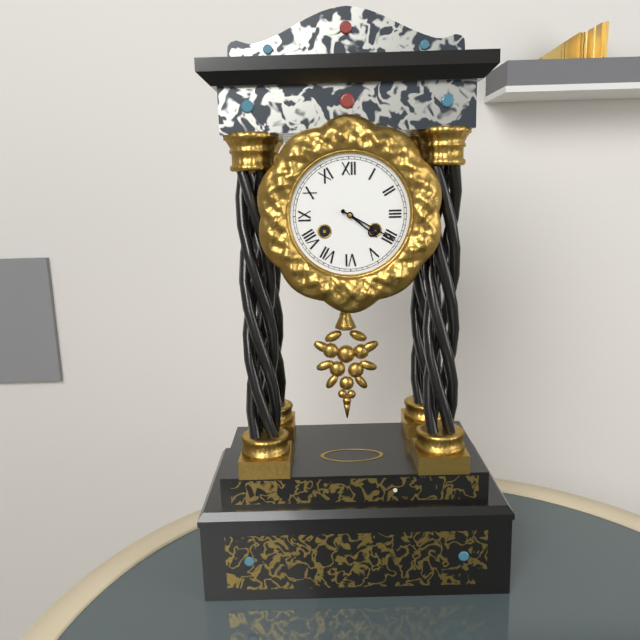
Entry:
h=4 m=20
